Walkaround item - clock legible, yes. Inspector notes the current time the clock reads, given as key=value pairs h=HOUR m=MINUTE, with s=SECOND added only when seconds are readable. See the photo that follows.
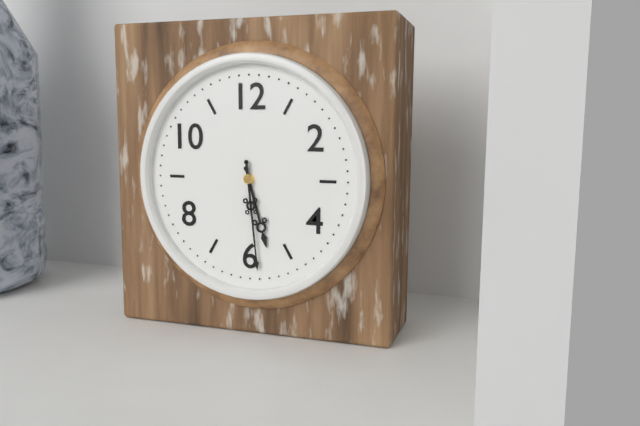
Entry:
h=5 m=29
